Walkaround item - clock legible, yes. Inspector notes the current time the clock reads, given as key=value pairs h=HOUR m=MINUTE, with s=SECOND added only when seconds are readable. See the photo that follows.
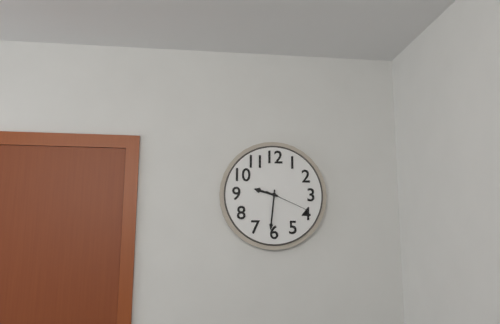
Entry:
h=9 m=31
